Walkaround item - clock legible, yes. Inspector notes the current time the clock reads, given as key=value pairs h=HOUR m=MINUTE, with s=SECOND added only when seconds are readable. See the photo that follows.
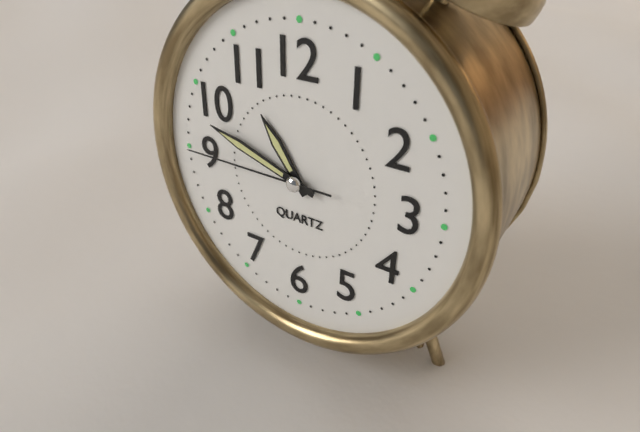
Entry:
h=10 m=48 s=45
